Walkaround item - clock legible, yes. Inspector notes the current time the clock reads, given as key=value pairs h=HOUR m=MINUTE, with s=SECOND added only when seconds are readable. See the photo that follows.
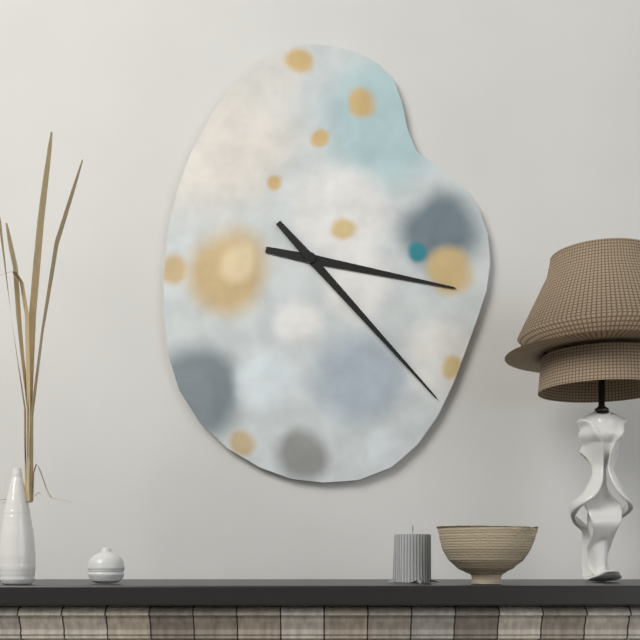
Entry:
h=3 m=23
